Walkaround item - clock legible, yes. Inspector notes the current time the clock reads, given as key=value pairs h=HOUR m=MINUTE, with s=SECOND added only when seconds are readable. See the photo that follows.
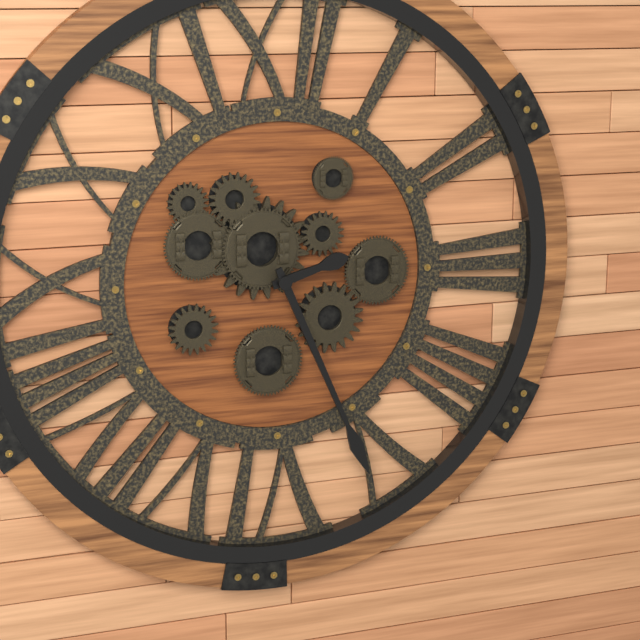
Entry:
h=2 m=26
